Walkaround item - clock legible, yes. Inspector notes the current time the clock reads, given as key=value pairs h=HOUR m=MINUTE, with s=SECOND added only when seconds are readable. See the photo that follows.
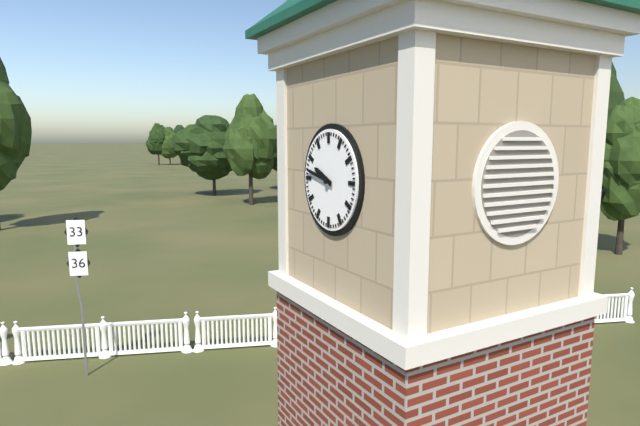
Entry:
h=9 m=47
